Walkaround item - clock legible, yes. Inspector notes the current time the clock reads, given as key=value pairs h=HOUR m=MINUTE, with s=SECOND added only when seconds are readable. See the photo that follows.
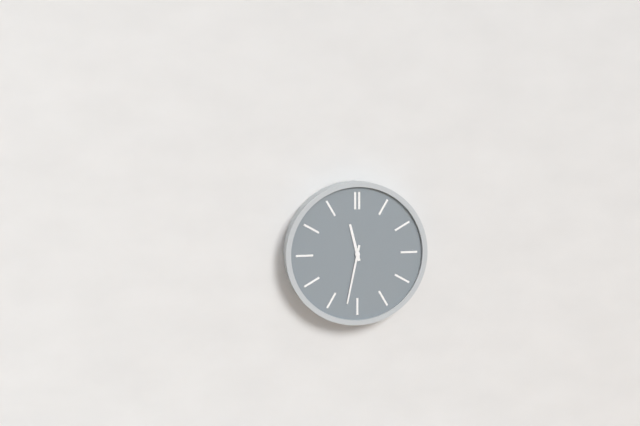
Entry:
h=11 m=32
